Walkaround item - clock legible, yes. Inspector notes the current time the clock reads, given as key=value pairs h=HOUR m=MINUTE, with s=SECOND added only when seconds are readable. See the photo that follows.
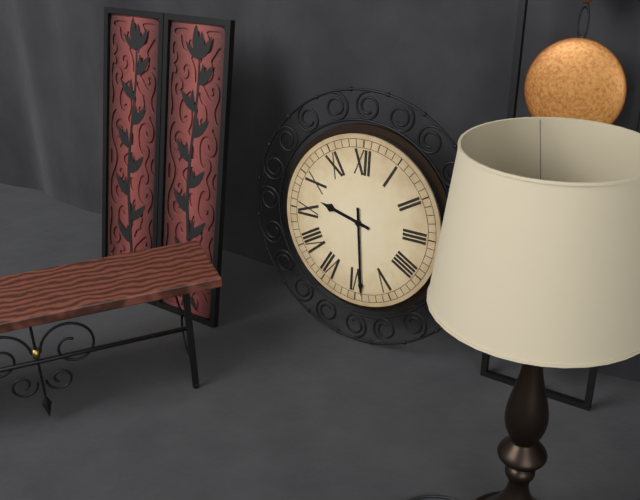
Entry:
h=9 m=29
